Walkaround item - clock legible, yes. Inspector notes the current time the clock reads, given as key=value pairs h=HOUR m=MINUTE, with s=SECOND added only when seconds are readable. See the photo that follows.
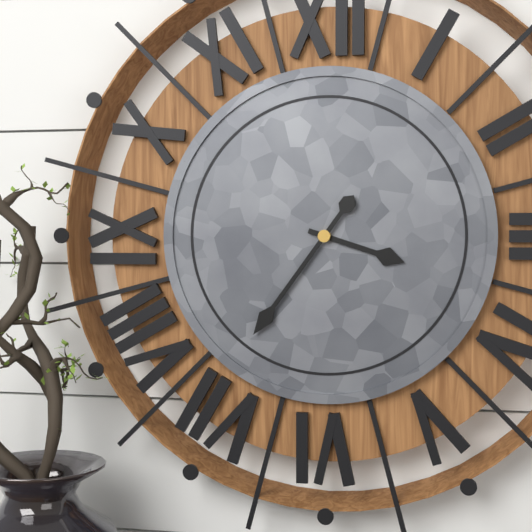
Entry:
h=3 m=36
